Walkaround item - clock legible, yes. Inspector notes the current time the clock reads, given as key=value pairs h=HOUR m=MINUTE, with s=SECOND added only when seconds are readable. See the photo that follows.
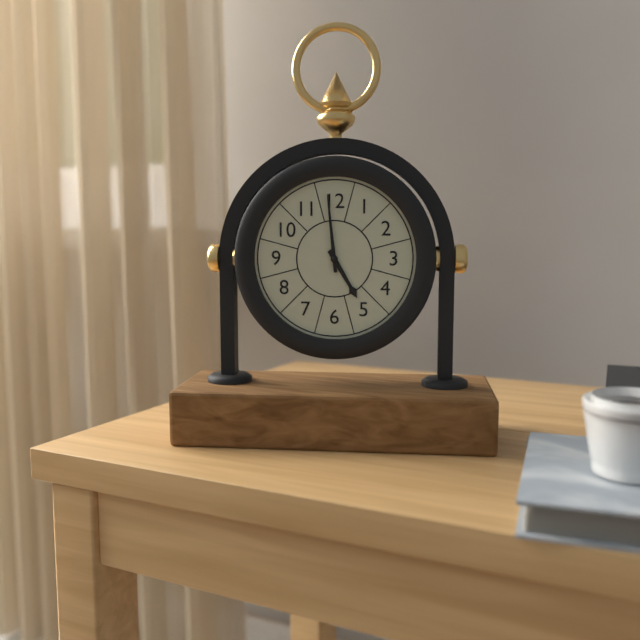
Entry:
h=4 m=59
